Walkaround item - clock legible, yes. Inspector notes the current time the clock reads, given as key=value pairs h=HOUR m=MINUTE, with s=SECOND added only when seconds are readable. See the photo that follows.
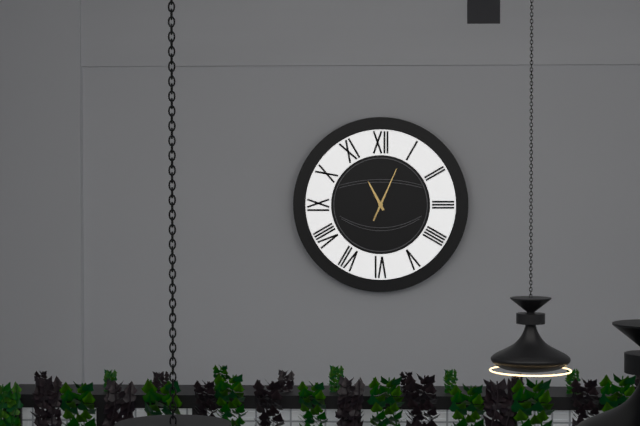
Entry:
h=11 m=4
